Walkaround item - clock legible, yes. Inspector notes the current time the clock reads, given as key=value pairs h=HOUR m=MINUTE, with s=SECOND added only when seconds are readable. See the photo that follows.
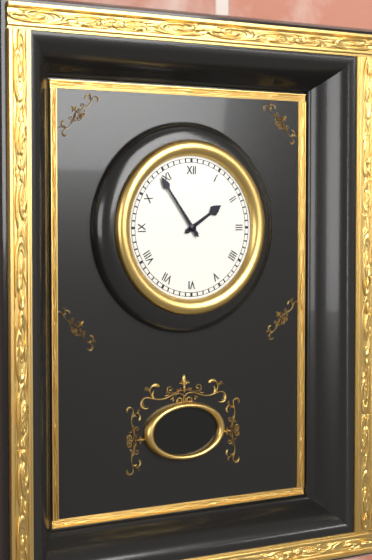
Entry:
h=1 m=54
